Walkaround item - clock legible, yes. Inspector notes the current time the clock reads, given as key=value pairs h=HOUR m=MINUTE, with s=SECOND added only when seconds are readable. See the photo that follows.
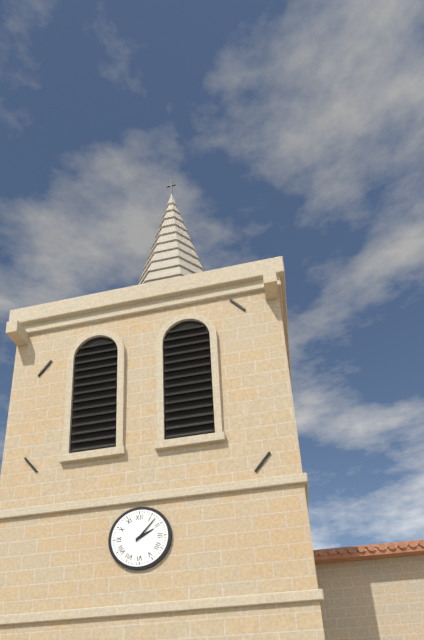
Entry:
h=2 m=7
